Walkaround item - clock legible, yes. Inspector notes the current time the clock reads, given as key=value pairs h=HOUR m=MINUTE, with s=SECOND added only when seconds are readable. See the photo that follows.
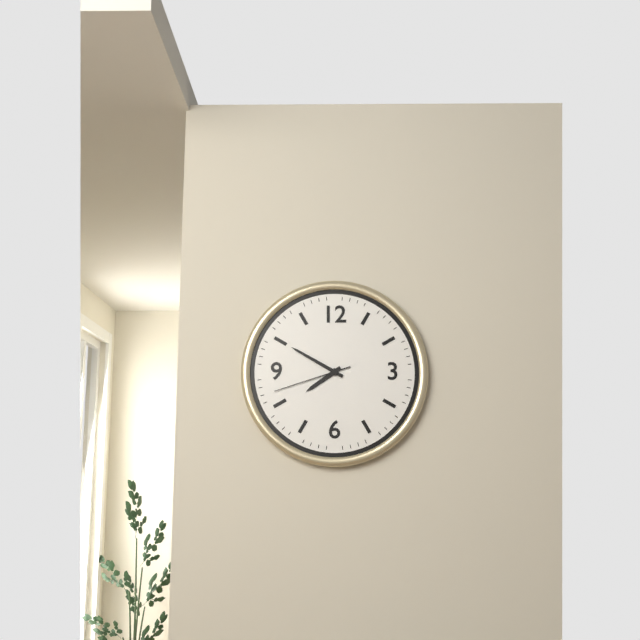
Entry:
h=7 m=50 s=42
